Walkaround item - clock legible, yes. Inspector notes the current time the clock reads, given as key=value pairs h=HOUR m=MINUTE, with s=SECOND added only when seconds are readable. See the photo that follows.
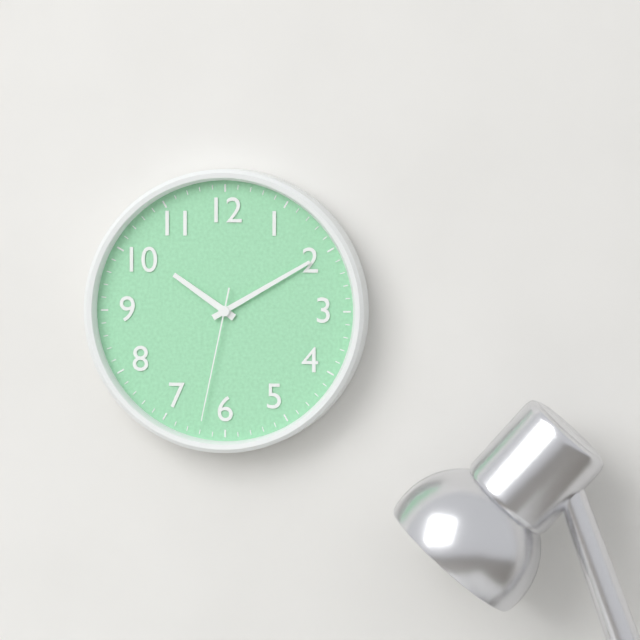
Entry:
h=10 m=10 s=32
